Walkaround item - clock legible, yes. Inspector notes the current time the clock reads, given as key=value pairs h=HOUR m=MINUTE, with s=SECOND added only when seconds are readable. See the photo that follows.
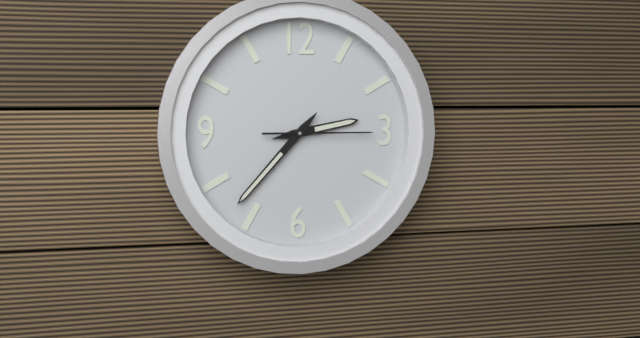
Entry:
h=2 m=37 s=15
